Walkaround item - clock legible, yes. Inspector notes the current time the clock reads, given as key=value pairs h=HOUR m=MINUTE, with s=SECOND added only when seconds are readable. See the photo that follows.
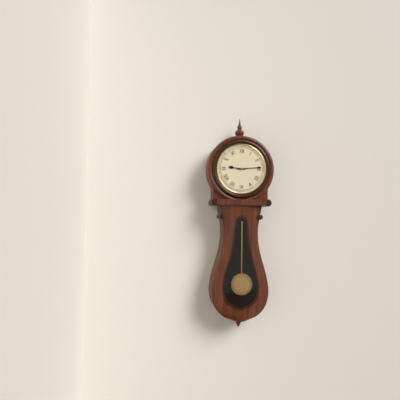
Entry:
h=9 m=14
